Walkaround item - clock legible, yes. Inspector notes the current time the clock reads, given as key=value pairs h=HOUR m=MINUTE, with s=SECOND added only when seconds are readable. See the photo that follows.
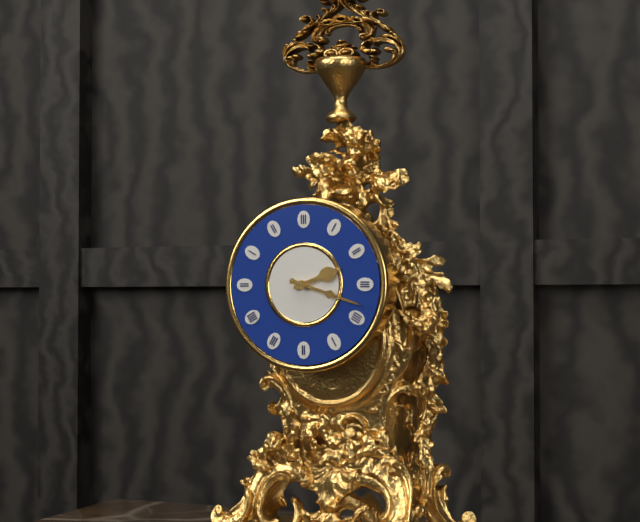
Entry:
h=2 m=18
